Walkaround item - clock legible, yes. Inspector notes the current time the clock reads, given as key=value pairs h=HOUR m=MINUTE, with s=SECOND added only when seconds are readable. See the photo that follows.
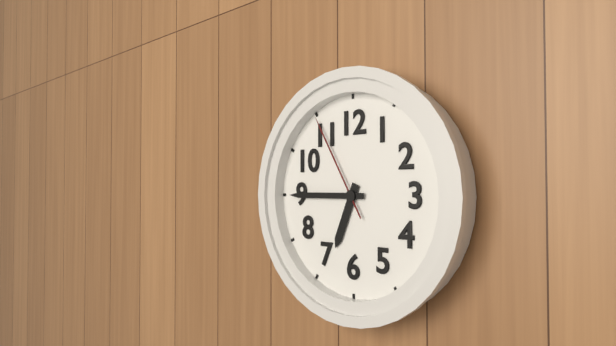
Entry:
h=6 m=45 s=55
